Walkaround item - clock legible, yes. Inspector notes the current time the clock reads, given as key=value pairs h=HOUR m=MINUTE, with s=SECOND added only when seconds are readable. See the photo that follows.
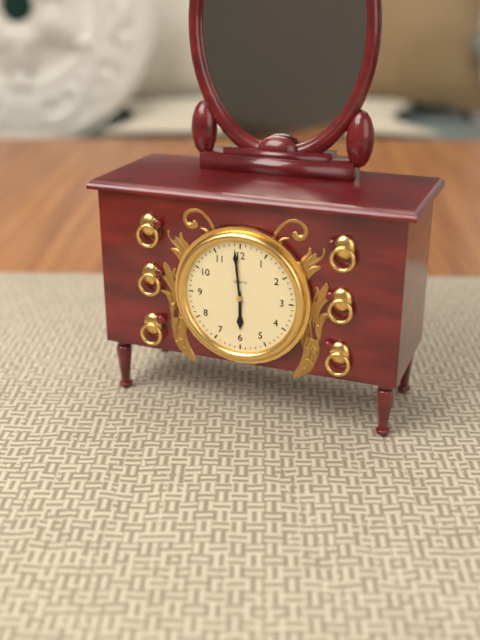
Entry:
h=5 m=59
